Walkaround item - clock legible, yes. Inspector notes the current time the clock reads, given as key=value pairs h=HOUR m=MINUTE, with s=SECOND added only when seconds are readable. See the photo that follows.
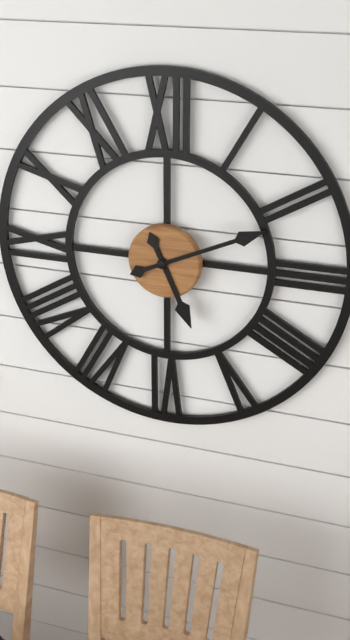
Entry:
h=5 m=11
